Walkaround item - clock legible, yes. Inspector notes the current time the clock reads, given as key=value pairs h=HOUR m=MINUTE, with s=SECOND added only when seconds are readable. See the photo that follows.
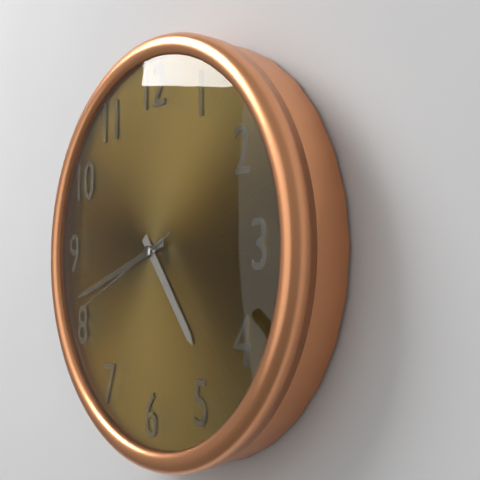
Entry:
h=4 m=42 s=41
